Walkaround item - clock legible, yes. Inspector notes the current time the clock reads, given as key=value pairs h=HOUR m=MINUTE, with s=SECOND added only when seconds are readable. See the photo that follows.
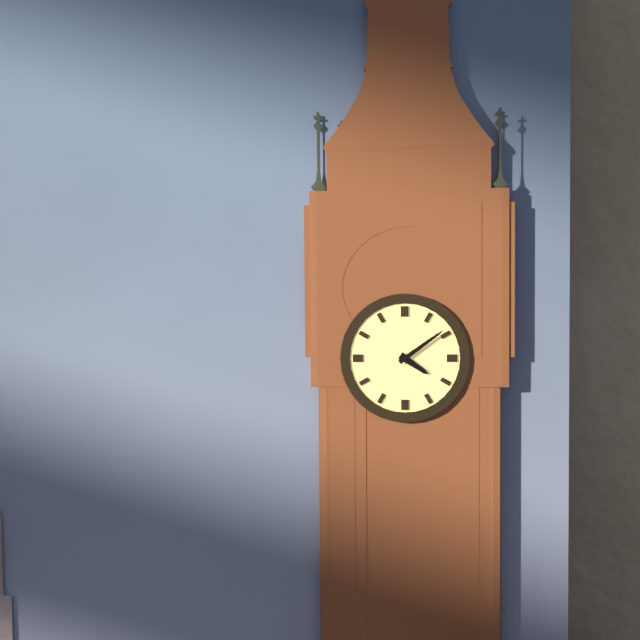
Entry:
h=4 m=9
